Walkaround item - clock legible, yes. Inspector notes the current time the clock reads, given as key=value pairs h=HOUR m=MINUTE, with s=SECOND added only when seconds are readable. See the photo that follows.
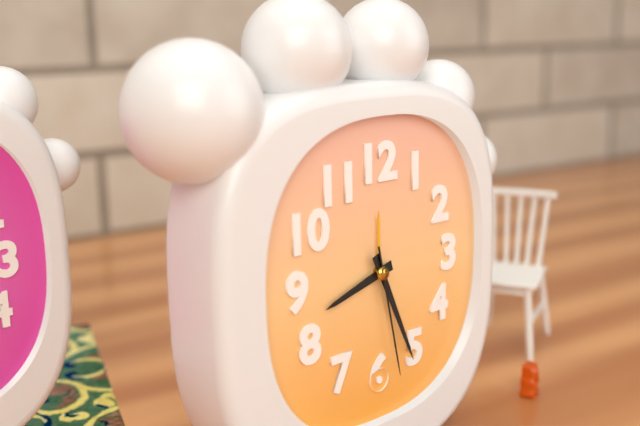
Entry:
h=8 m=26 s=28
